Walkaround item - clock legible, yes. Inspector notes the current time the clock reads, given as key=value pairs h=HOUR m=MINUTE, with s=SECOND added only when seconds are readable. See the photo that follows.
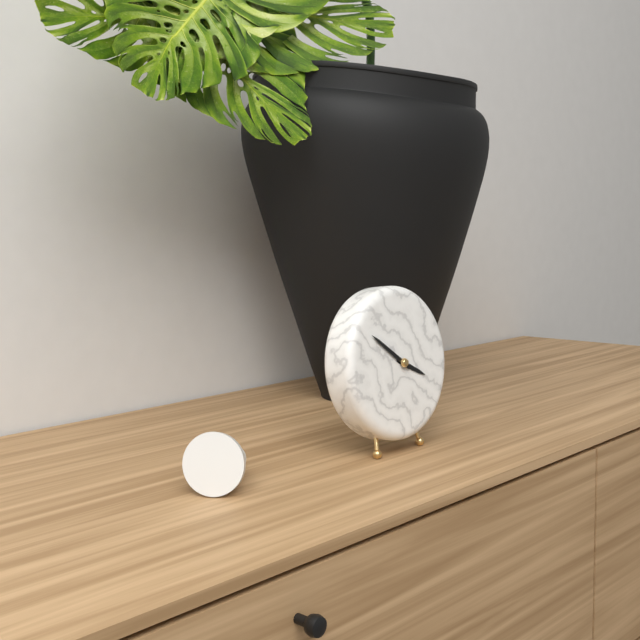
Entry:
h=3 m=51
